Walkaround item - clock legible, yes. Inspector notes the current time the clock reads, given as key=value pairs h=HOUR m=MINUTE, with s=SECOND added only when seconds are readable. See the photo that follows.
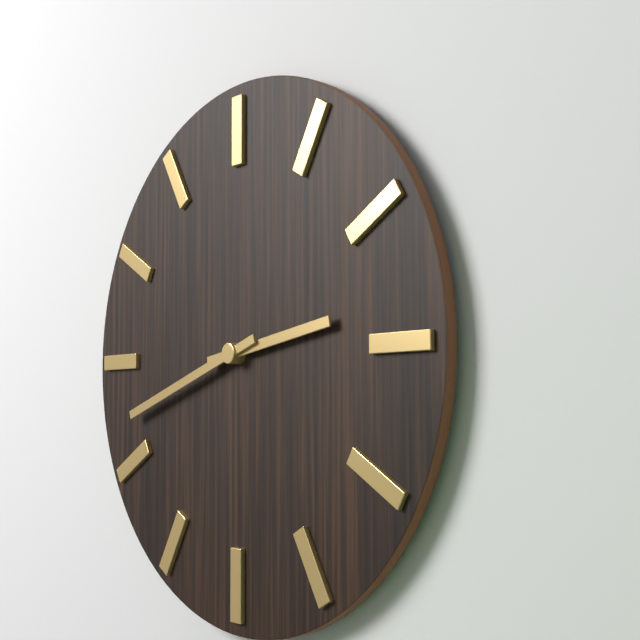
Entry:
h=2 m=42
